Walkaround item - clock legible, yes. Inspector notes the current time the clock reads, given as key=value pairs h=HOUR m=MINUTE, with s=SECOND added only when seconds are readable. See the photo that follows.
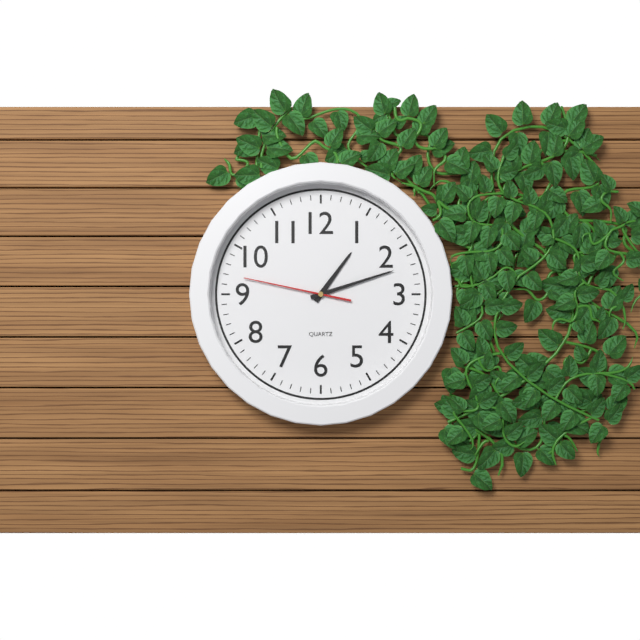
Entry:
h=1 m=12 s=47
